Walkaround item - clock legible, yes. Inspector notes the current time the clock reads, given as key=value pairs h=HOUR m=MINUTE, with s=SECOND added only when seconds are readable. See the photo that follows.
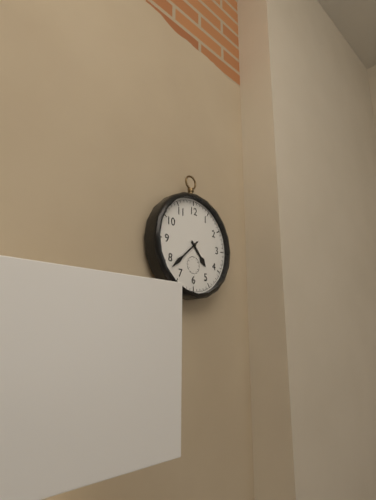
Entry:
h=4 m=38
